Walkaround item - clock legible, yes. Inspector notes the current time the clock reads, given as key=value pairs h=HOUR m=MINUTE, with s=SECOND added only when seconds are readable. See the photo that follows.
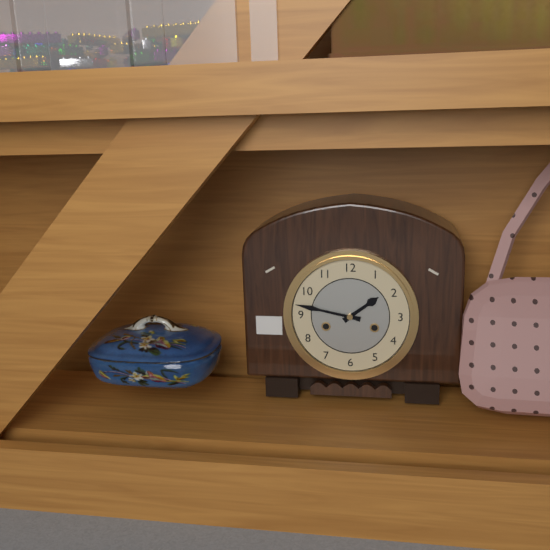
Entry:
h=1 m=47
